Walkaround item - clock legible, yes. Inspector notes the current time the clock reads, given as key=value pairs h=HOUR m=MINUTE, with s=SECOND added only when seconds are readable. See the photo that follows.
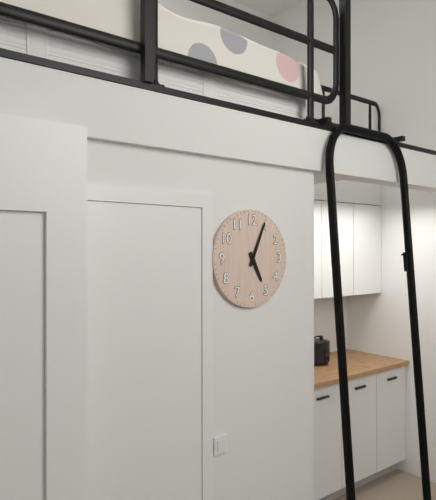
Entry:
h=5 m=4
